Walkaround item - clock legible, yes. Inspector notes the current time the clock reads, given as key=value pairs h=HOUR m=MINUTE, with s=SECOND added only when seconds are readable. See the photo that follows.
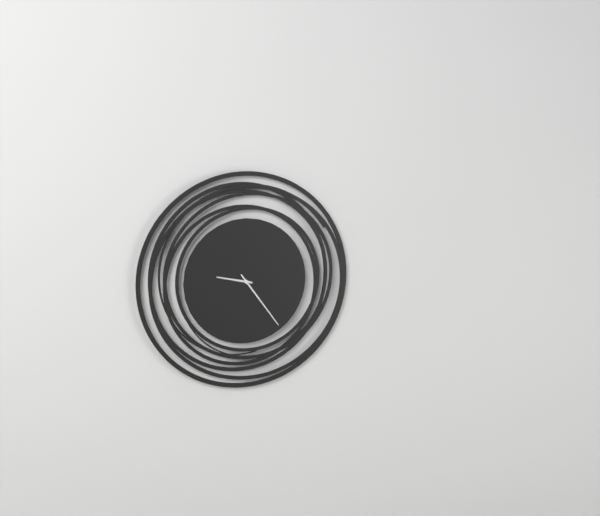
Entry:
h=9 m=24
